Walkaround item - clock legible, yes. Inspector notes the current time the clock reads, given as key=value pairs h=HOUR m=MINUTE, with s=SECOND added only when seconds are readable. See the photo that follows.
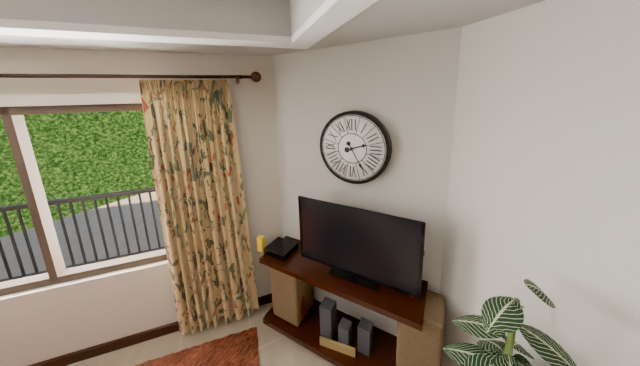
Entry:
h=2 m=25
